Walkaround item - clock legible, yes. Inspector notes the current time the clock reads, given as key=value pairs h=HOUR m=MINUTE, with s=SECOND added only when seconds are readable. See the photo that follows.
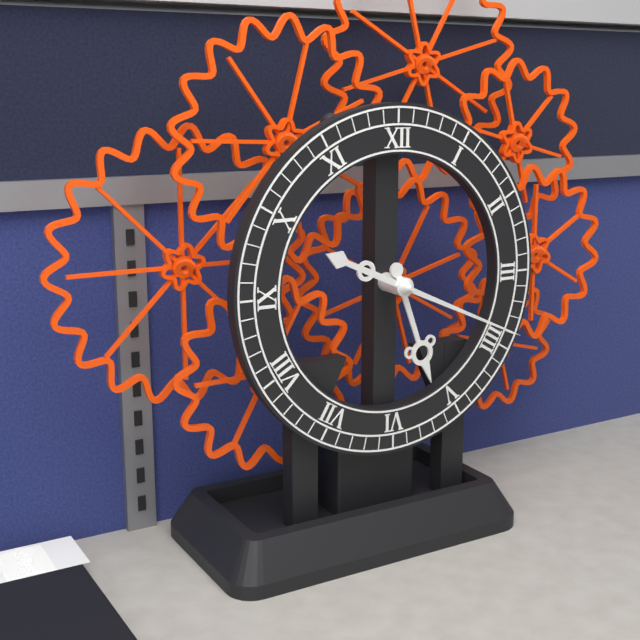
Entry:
h=5 m=19
